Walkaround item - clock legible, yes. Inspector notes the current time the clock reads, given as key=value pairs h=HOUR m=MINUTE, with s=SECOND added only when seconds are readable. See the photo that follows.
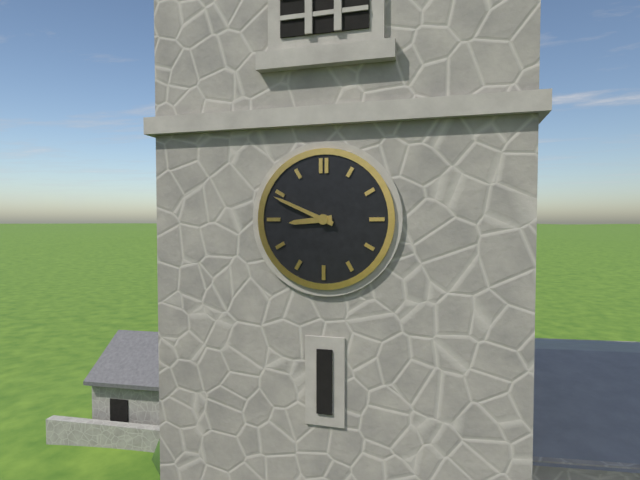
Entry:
h=8 m=49
